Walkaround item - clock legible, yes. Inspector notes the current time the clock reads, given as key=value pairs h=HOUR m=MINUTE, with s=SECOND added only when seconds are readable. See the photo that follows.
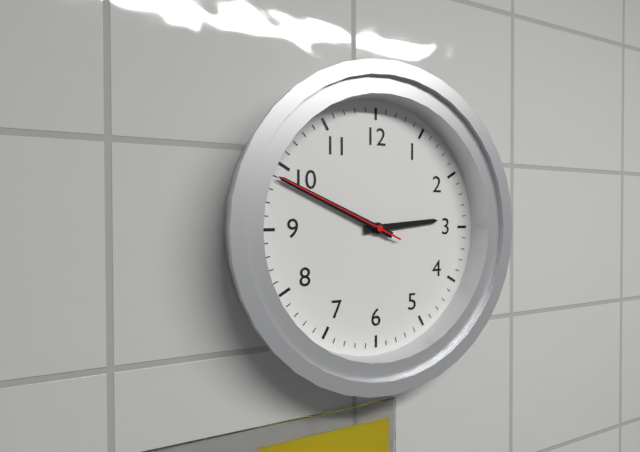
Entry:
h=2 m=49 s=49
